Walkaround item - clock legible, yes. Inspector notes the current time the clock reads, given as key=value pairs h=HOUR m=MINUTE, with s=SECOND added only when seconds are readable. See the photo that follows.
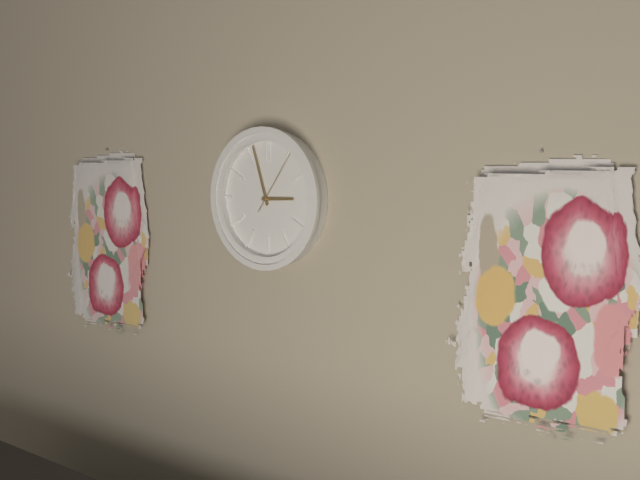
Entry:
h=2 m=57 s=6
